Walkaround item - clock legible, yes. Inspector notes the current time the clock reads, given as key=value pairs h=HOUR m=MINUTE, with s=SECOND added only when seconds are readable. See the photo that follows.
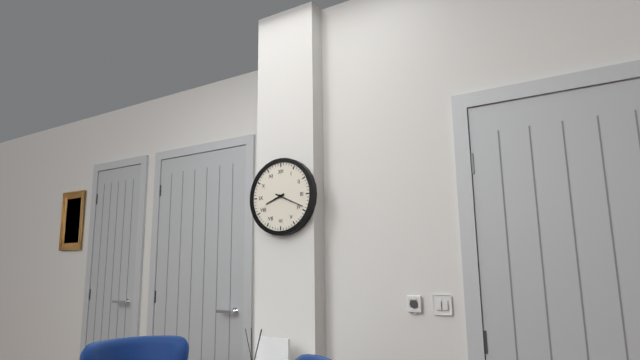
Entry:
h=8 m=19
